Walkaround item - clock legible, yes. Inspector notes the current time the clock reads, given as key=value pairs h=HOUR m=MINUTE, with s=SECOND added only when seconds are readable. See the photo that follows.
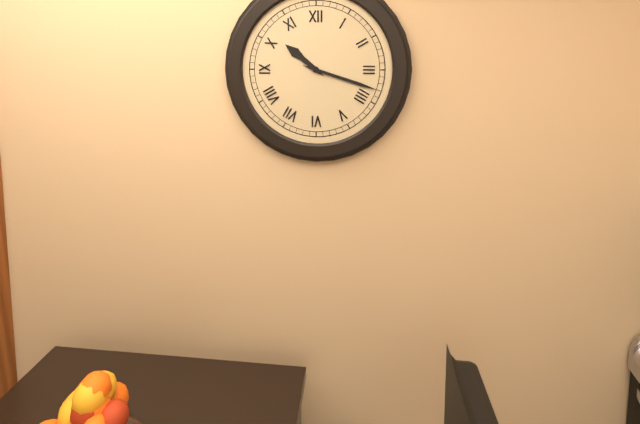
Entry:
h=10 m=18
